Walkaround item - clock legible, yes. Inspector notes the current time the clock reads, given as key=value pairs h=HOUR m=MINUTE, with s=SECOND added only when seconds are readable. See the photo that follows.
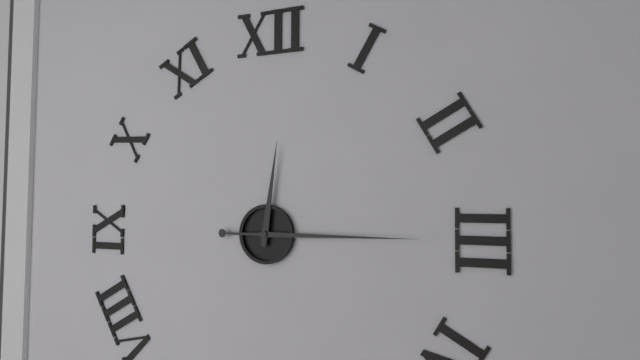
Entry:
h=12 m=15
